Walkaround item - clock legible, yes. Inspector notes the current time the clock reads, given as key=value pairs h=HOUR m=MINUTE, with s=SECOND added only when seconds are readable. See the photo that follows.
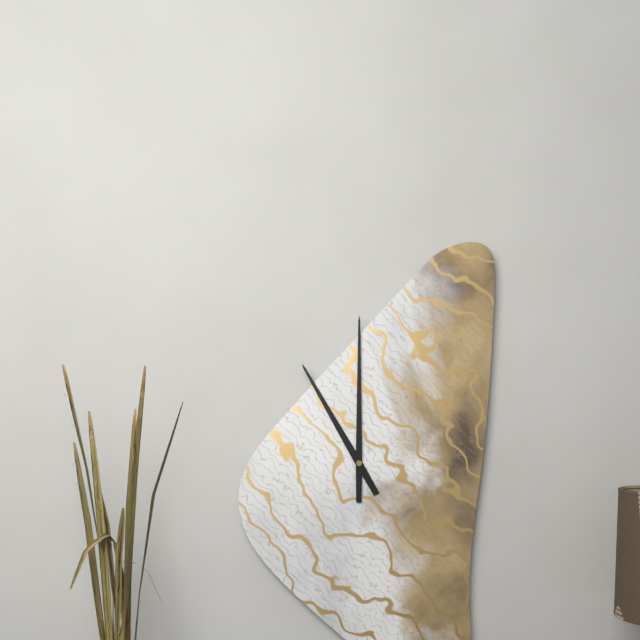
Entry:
h=11 m=0
